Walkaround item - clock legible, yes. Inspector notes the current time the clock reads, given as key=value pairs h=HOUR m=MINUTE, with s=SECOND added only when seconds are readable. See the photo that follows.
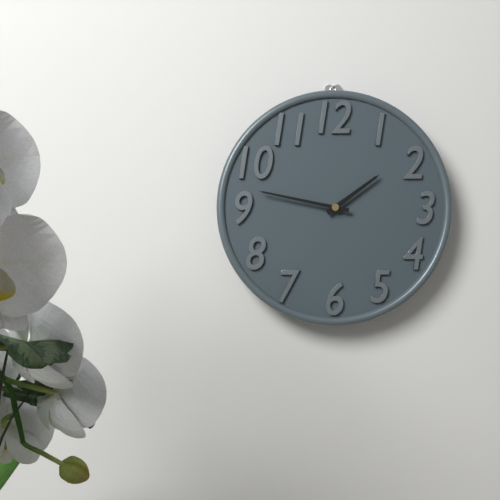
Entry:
h=1 m=47
